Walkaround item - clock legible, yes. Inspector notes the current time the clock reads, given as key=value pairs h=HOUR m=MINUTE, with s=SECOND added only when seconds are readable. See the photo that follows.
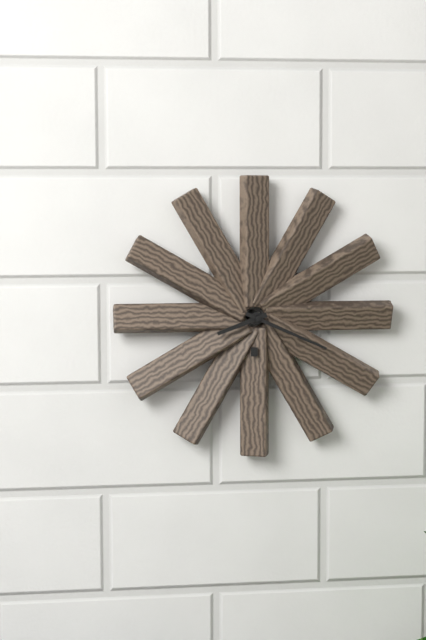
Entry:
h=8 m=19
